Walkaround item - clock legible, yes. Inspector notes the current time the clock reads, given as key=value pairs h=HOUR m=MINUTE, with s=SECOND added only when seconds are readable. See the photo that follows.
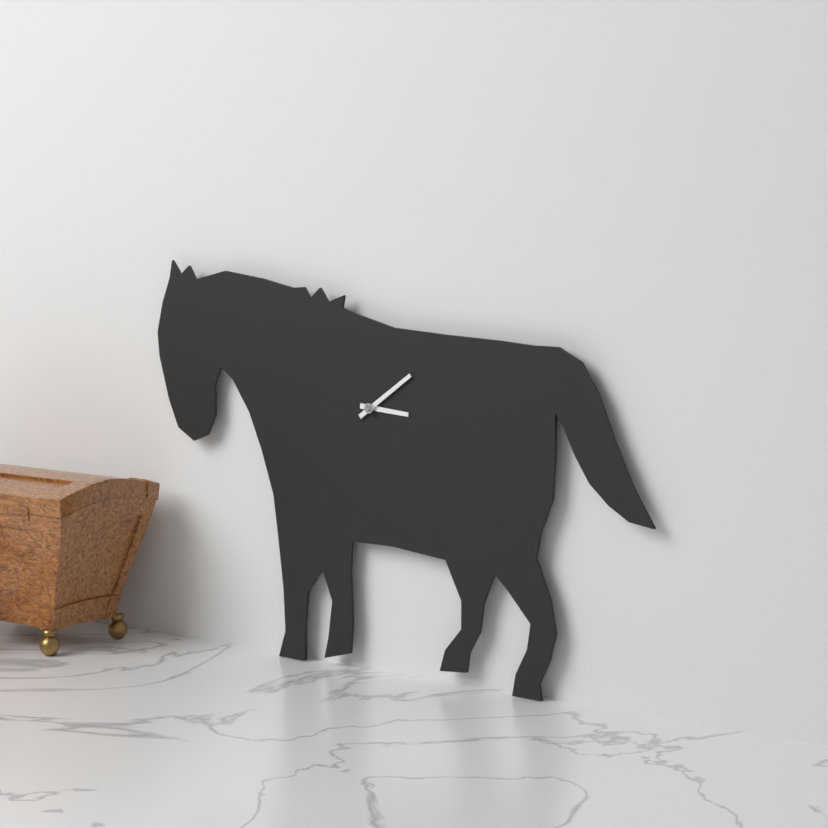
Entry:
h=3 m=9
